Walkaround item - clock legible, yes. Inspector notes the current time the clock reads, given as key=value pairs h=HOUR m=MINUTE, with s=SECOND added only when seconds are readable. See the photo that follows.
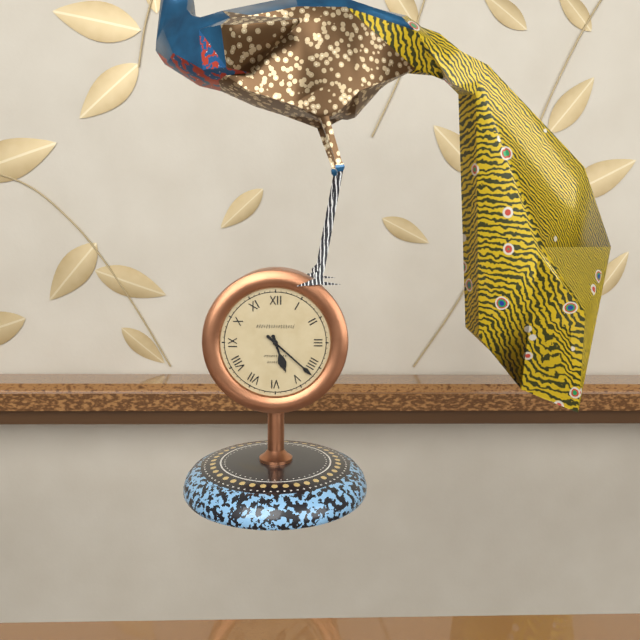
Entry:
h=5 m=22
